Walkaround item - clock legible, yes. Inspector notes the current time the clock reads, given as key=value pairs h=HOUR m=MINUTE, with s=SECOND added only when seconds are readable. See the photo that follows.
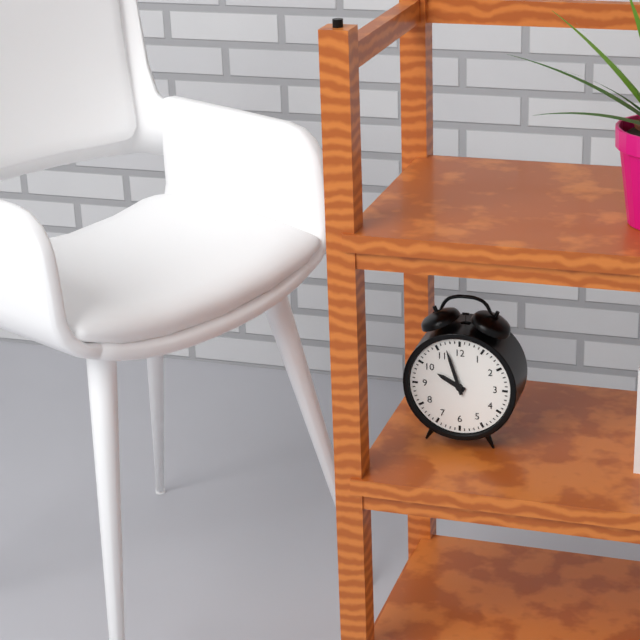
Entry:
h=9 m=57
